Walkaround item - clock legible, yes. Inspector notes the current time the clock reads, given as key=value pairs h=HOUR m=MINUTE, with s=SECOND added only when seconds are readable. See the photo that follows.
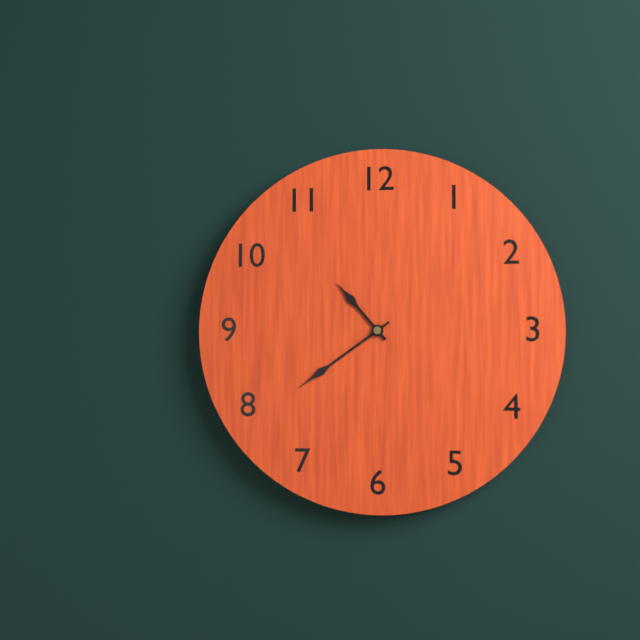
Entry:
h=10 m=39
